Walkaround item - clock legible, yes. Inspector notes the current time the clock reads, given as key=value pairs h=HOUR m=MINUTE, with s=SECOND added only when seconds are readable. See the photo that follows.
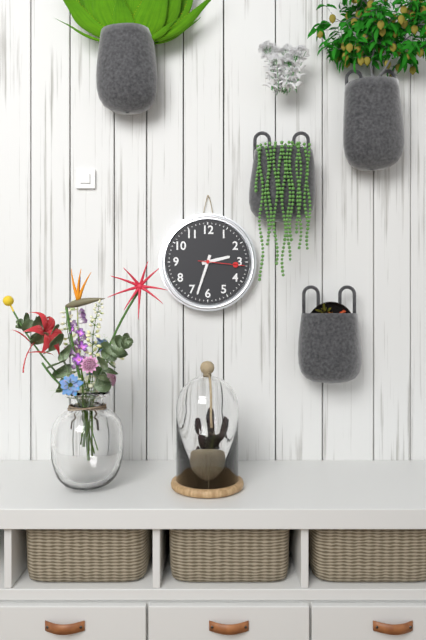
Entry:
h=2 m=33
